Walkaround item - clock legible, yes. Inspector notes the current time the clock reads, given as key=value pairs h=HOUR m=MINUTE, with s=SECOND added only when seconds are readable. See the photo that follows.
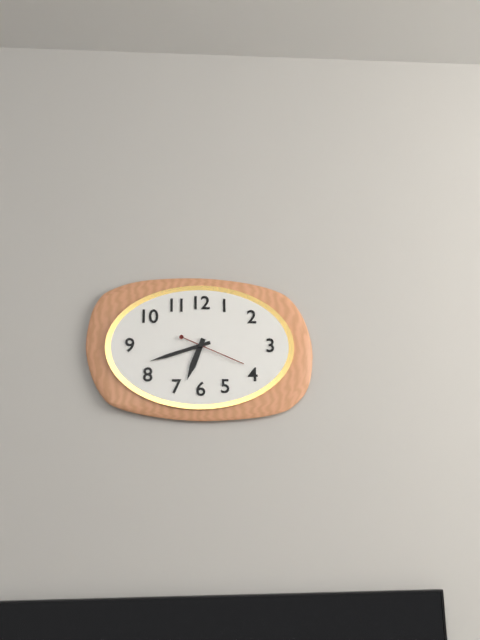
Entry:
h=6 m=42 s=19
